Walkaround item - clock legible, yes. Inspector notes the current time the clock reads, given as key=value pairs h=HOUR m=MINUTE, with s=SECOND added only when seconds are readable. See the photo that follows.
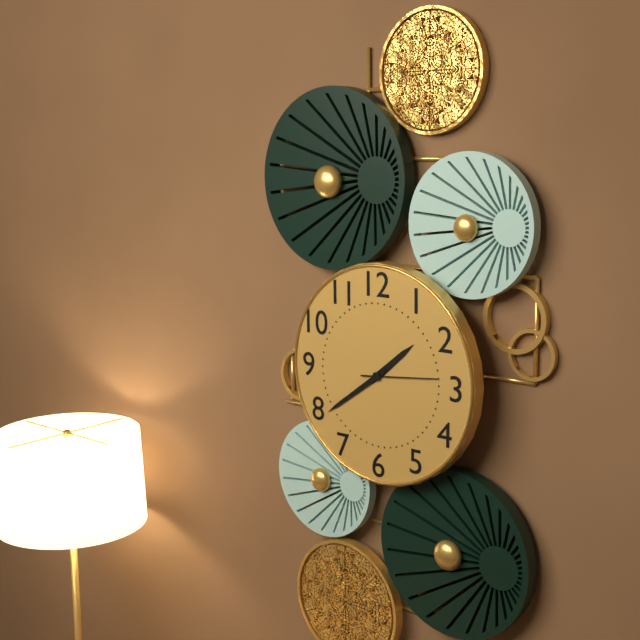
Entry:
h=1 m=39 s=14
